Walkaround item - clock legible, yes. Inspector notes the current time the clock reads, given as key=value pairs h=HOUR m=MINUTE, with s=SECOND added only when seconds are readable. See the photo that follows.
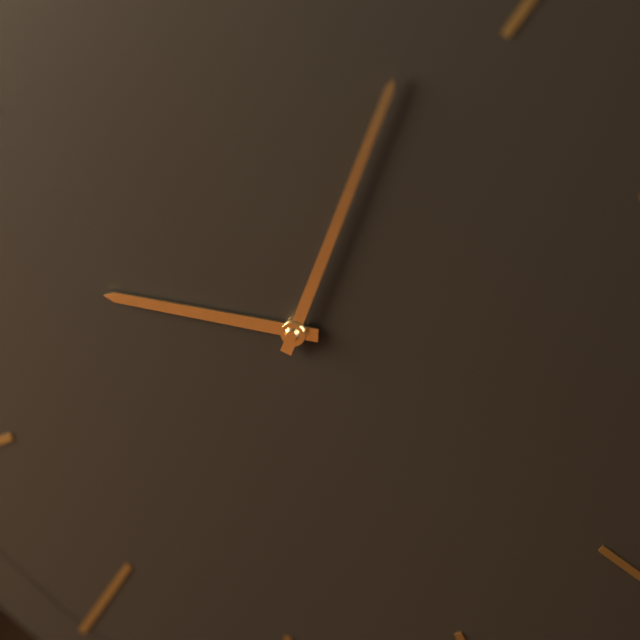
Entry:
h=9 m=3
